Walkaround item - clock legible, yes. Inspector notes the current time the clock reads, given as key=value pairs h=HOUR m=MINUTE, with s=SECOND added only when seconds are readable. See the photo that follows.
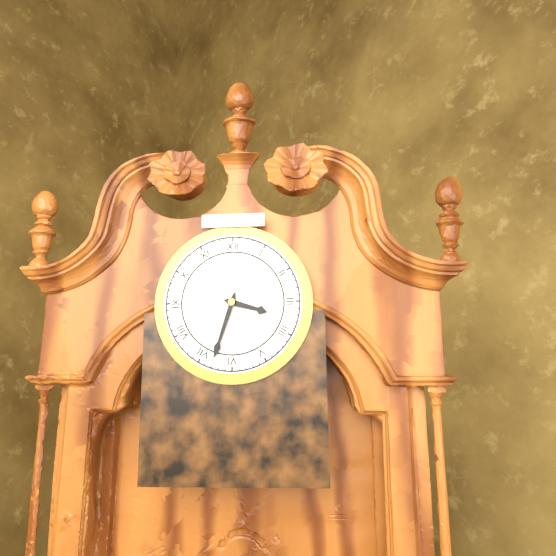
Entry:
h=3 m=33
